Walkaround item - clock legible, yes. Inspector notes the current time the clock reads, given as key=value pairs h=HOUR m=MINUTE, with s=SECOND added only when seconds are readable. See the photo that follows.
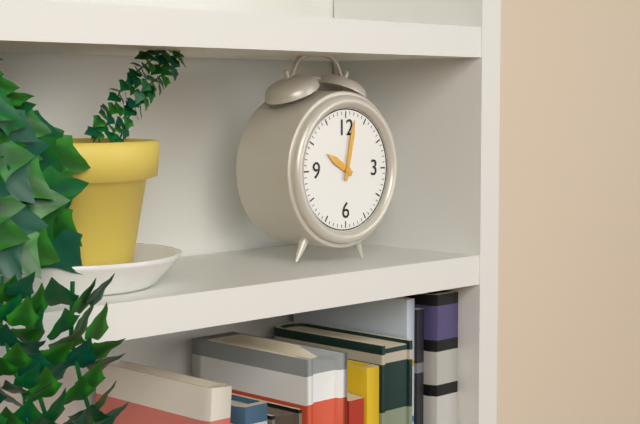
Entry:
h=10 m=2
